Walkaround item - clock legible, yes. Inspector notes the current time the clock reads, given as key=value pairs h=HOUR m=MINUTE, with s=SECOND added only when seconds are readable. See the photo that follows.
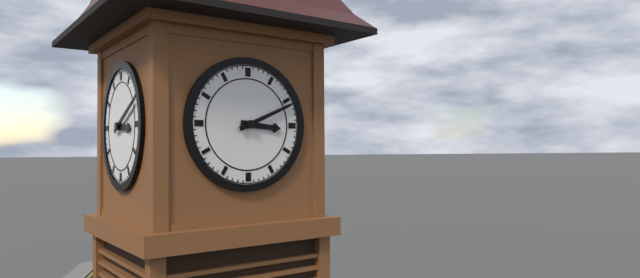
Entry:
h=3 m=11
